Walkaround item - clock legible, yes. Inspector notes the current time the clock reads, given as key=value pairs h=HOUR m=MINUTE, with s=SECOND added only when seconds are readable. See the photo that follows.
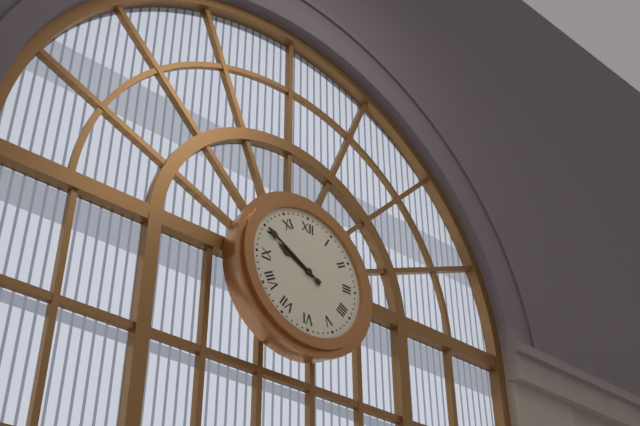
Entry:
h=9 m=50
